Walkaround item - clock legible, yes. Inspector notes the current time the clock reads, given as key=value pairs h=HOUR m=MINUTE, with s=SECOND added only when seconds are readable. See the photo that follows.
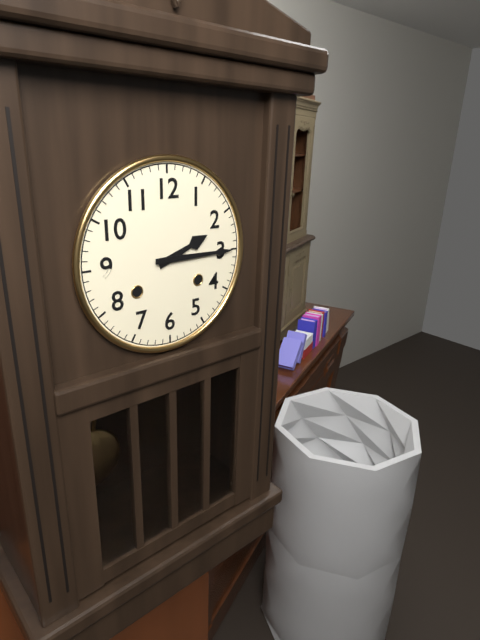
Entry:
h=2 m=15
